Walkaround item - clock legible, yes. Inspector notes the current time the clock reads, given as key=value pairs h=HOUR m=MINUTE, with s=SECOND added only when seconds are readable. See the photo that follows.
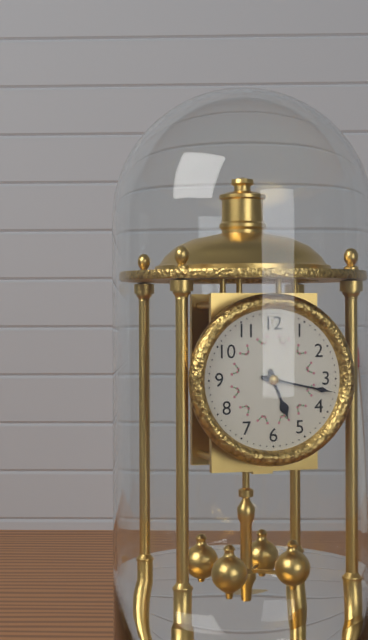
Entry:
h=5 m=17
